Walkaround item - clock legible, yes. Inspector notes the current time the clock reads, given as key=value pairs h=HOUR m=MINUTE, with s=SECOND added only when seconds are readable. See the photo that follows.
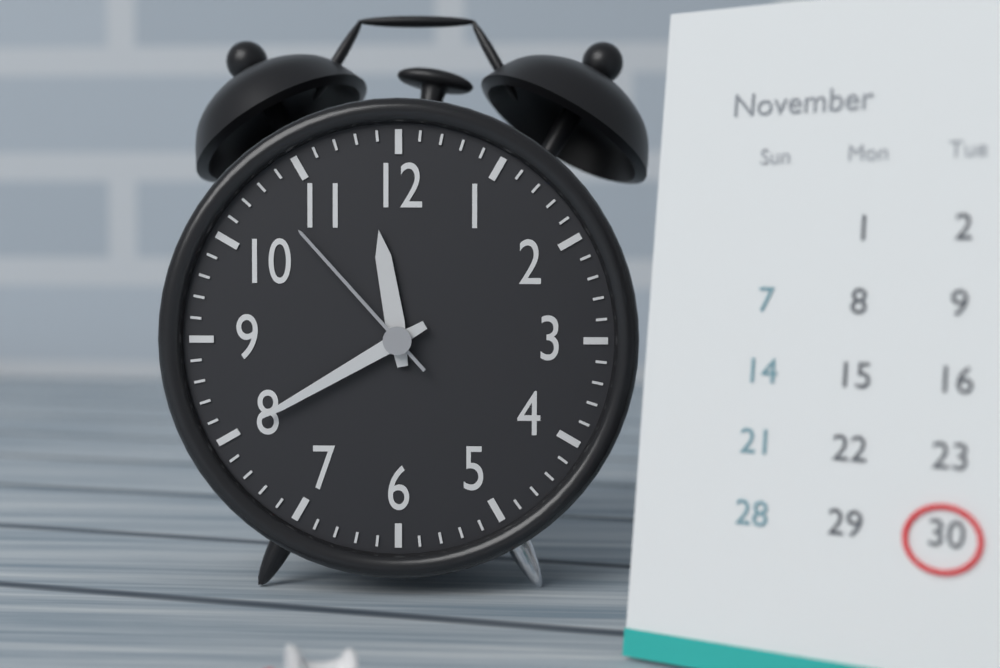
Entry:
h=11 m=40 s=53
